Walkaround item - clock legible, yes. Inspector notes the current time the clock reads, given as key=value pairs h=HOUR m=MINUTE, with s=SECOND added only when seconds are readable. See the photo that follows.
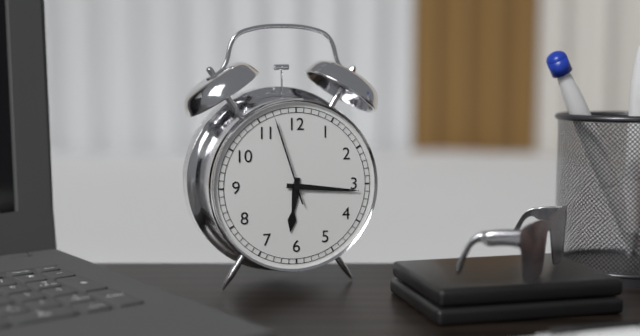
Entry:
h=6 m=16 s=57
